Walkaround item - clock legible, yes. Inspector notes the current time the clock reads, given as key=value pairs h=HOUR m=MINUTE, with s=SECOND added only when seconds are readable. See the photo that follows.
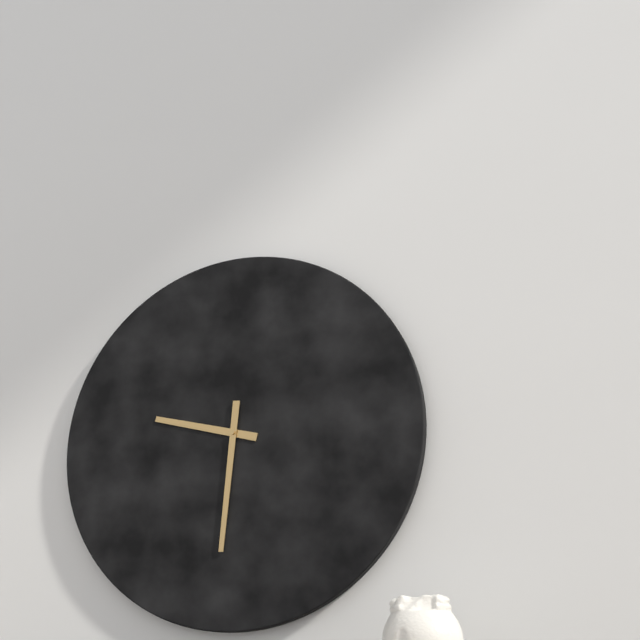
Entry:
h=9 m=31
